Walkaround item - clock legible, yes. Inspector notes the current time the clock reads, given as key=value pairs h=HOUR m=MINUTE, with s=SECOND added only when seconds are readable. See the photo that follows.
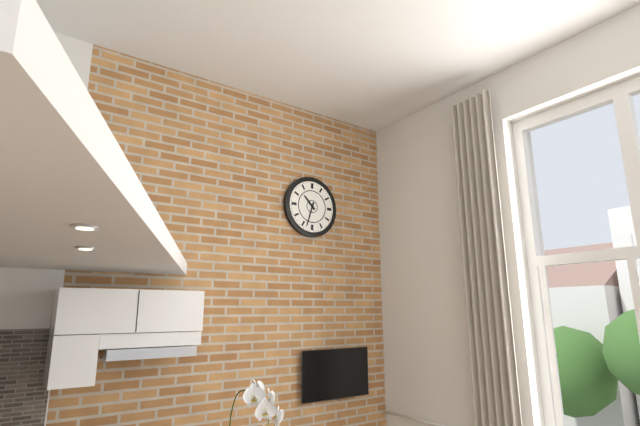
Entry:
h=10 m=33
